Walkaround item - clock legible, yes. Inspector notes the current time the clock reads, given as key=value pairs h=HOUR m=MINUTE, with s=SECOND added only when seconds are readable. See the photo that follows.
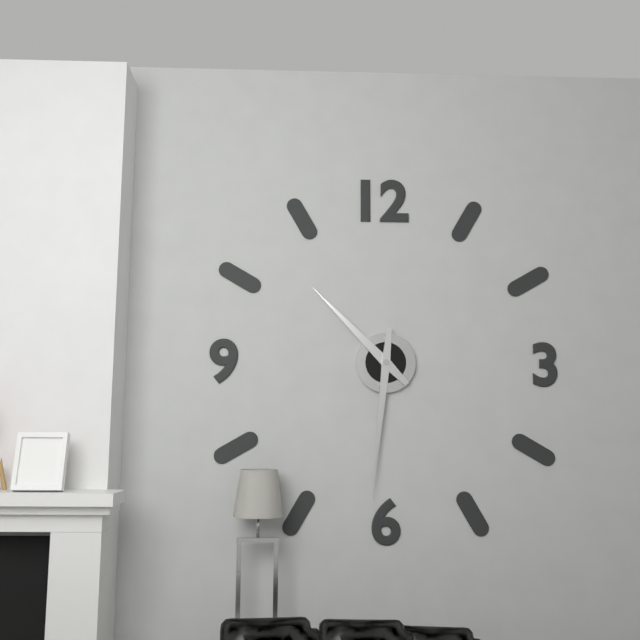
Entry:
h=10 m=31
